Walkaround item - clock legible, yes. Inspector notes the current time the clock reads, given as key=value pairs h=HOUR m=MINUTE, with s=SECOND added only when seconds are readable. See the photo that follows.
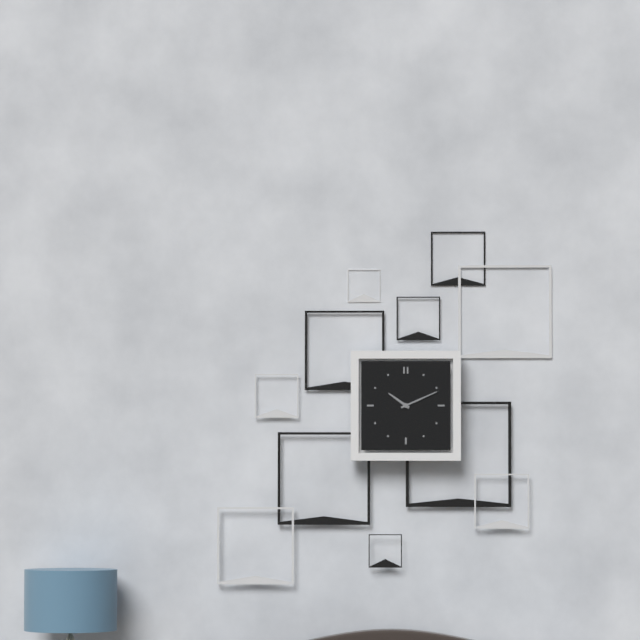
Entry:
h=10 m=11
